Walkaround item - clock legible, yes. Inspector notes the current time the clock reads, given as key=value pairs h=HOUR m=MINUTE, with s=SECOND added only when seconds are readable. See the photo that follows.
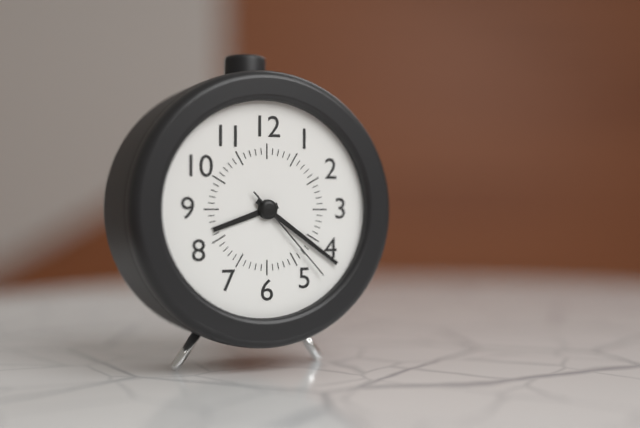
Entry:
h=8 m=21 s=23
